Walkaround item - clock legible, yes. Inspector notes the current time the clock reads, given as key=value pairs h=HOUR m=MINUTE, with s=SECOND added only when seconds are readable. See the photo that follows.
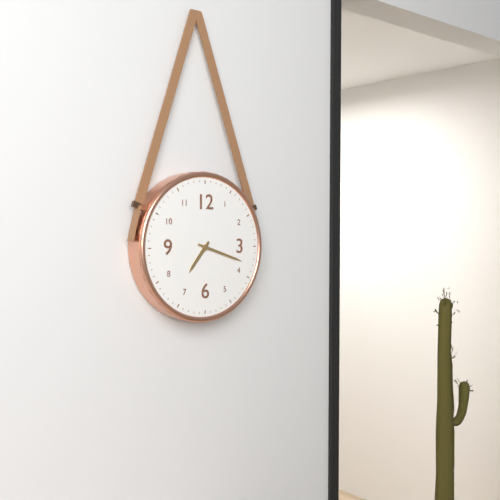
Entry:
h=7 m=18
